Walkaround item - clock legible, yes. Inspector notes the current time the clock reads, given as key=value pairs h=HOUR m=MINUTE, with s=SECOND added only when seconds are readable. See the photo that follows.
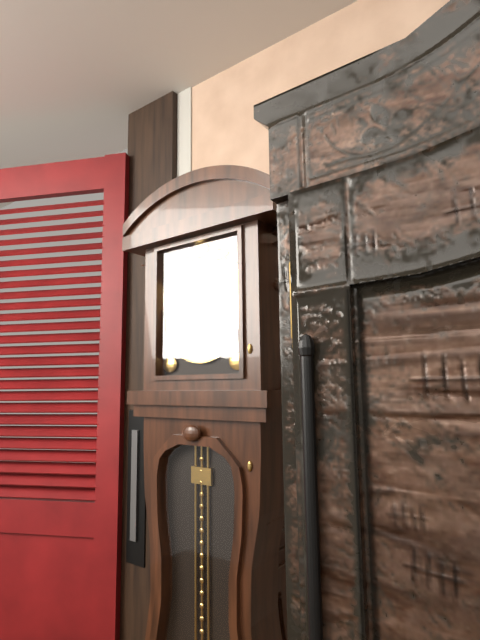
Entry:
h=1 m=0
